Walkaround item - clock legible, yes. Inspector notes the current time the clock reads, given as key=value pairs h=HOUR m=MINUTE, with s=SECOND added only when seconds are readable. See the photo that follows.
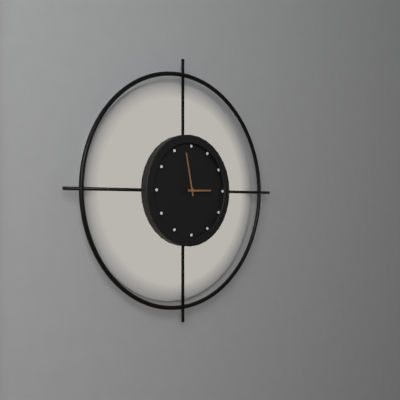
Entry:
h=2 m=58
